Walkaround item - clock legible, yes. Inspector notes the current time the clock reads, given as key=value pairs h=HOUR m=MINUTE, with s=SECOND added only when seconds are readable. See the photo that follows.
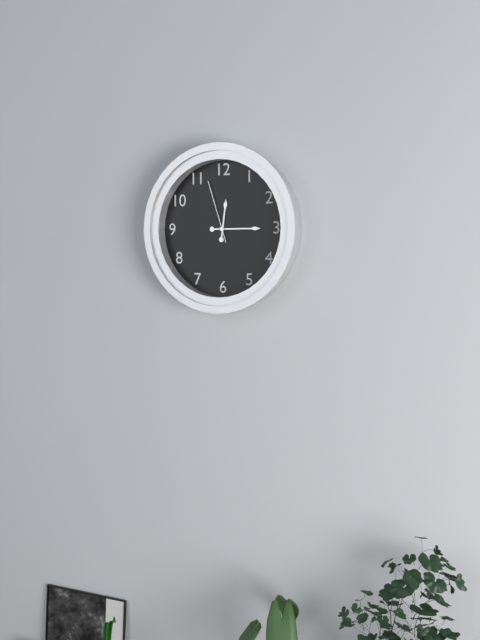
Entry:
h=12 m=15 s=57
